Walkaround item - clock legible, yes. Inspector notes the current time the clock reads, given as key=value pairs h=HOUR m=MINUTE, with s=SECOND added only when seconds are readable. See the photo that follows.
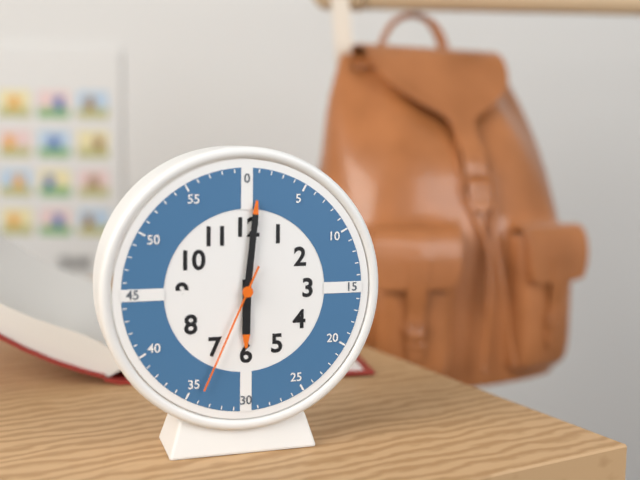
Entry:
h=6 m=1 s=34
